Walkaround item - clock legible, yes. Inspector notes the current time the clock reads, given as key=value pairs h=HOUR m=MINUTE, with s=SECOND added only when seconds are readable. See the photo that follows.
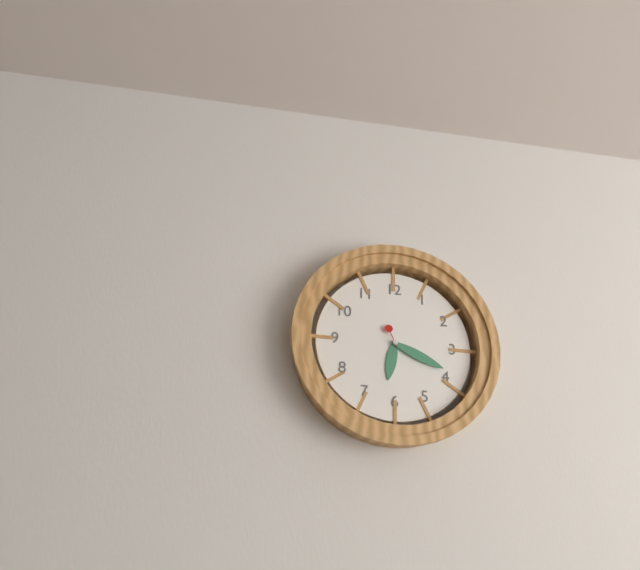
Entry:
h=6 m=19
